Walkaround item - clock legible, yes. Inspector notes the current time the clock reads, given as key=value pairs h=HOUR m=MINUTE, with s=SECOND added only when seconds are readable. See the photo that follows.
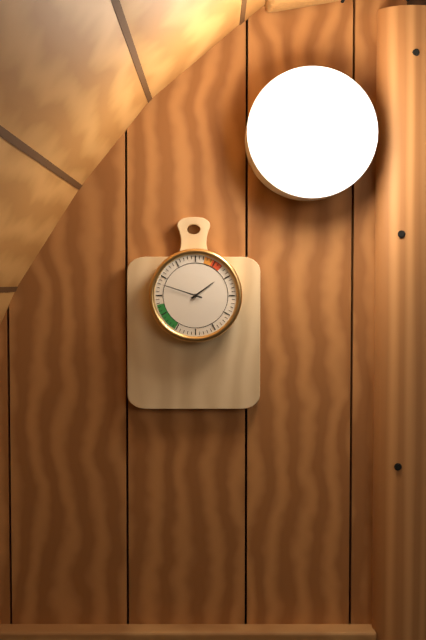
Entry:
h=1 m=48
